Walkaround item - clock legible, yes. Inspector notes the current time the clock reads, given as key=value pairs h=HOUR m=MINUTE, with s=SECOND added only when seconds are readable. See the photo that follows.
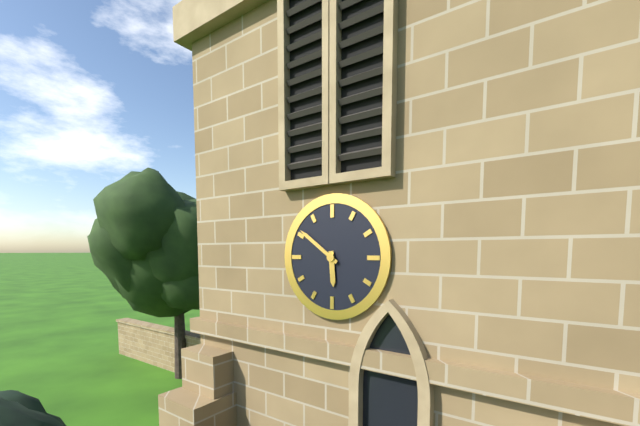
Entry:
h=5 m=51
